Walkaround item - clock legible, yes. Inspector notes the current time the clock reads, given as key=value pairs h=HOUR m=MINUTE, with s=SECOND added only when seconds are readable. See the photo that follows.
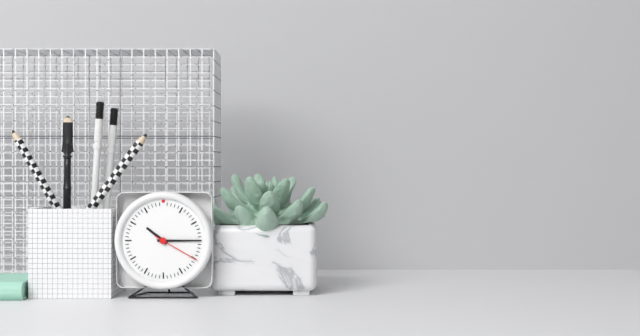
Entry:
h=10 m=15
